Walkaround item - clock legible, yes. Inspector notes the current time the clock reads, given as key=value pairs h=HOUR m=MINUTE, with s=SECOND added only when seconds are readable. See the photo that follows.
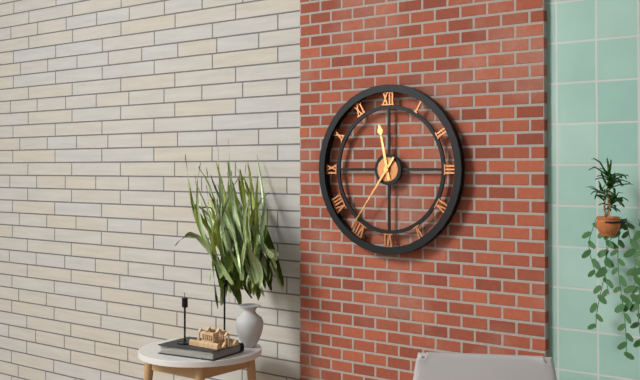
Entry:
h=11 m=36
